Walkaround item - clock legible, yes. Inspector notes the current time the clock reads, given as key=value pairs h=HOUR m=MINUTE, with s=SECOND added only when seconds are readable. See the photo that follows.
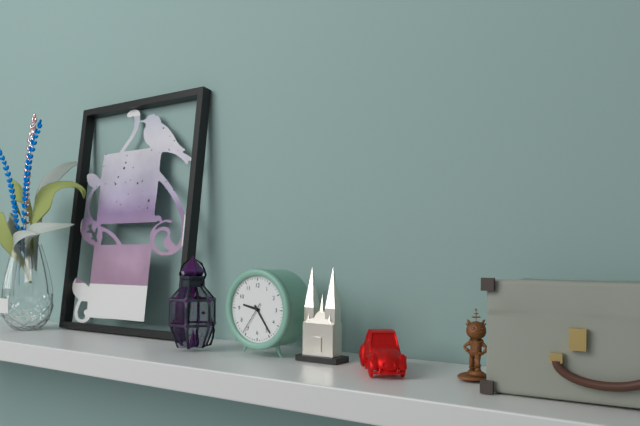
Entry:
h=9 m=24
